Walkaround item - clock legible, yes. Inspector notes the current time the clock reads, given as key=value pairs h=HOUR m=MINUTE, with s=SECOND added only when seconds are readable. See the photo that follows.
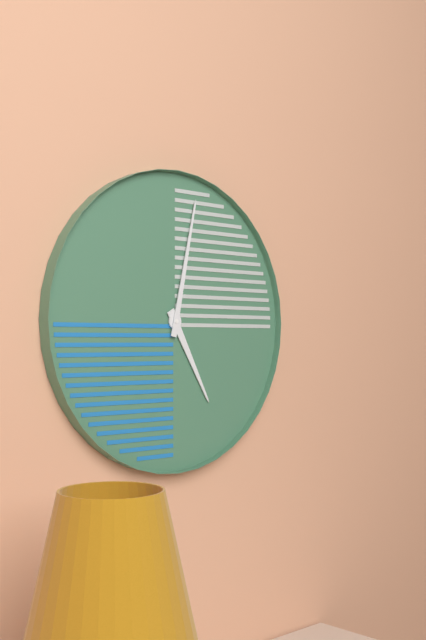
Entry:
h=5 m=2
